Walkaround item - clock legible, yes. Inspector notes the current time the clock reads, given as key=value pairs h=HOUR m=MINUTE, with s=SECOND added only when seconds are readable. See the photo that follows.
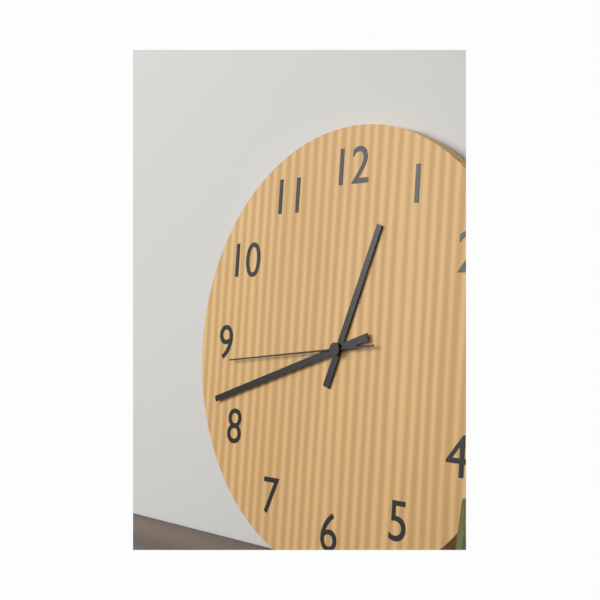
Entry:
h=12 m=42 s=44
